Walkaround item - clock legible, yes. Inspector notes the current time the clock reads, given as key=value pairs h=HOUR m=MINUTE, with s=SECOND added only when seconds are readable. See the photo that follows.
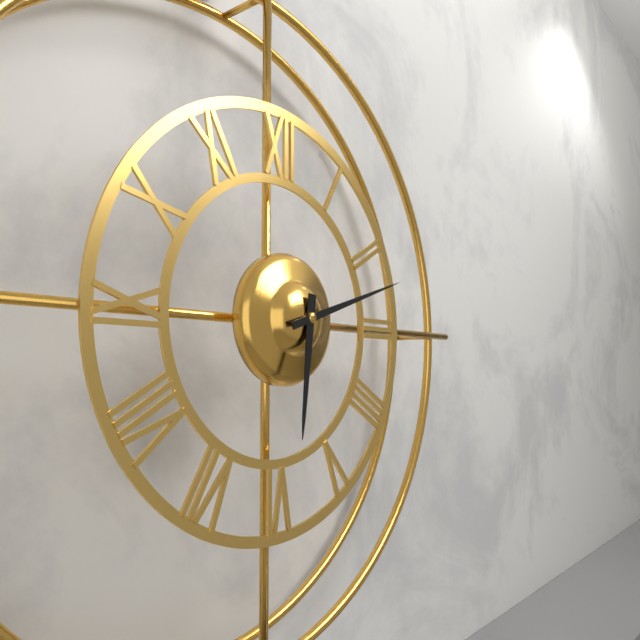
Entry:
h=6 m=12
